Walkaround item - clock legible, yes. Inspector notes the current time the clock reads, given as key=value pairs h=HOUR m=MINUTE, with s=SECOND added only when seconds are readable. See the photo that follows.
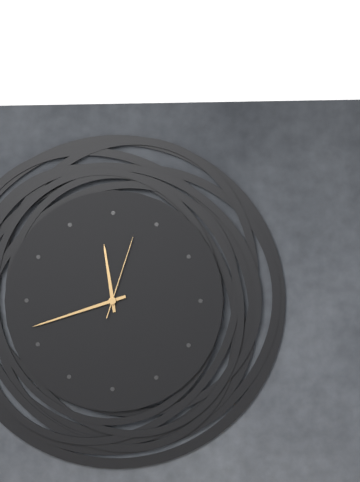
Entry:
h=11 m=42 s=3
